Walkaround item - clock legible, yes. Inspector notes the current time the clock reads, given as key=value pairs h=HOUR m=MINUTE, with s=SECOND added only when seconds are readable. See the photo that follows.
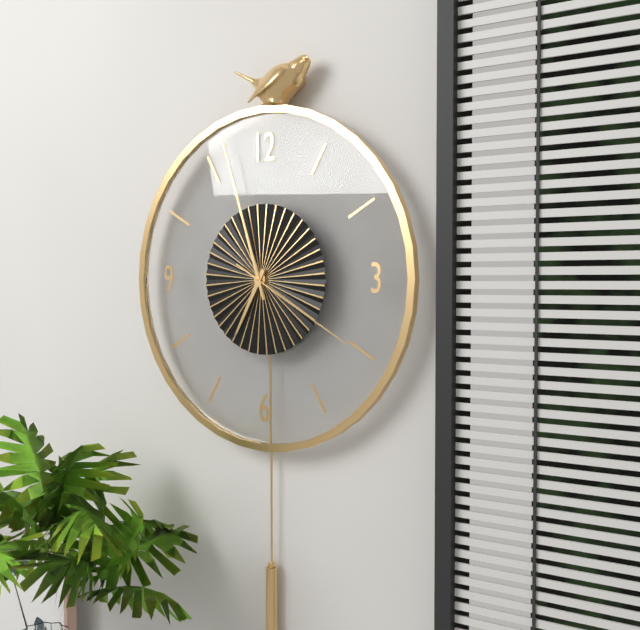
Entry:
h=6 m=57 s=20
